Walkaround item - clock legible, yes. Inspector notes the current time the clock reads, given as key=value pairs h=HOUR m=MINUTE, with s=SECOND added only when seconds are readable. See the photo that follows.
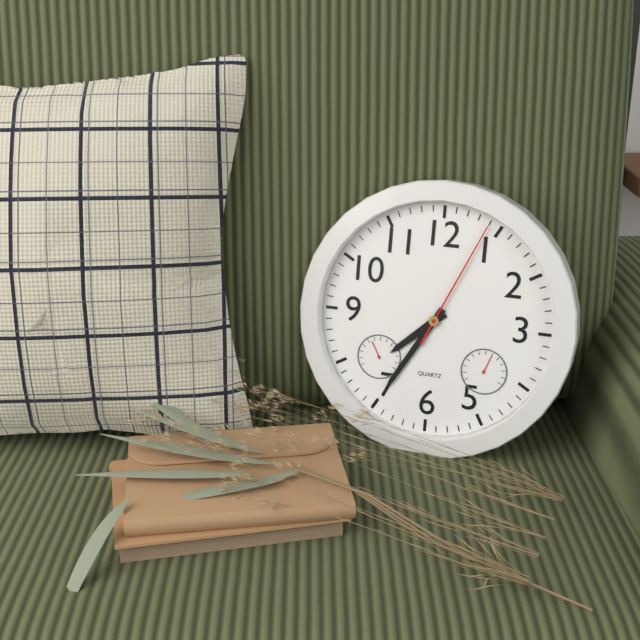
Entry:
h=7 m=35 s=4
